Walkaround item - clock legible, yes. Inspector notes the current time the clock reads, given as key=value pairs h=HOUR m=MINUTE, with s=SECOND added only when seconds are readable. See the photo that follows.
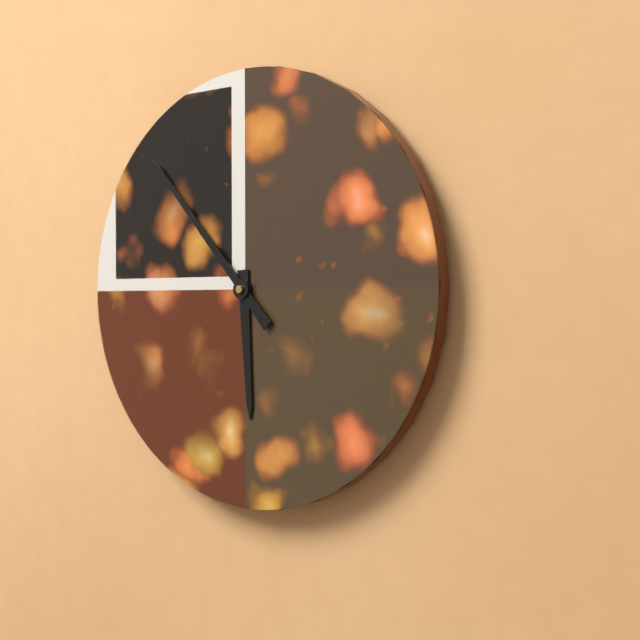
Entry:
h=5 m=53
